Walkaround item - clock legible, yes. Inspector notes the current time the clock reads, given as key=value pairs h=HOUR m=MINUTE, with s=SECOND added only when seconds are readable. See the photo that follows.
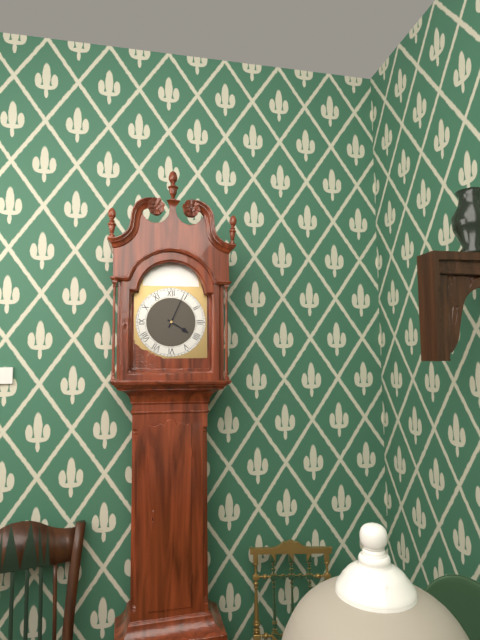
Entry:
h=4 m=4
